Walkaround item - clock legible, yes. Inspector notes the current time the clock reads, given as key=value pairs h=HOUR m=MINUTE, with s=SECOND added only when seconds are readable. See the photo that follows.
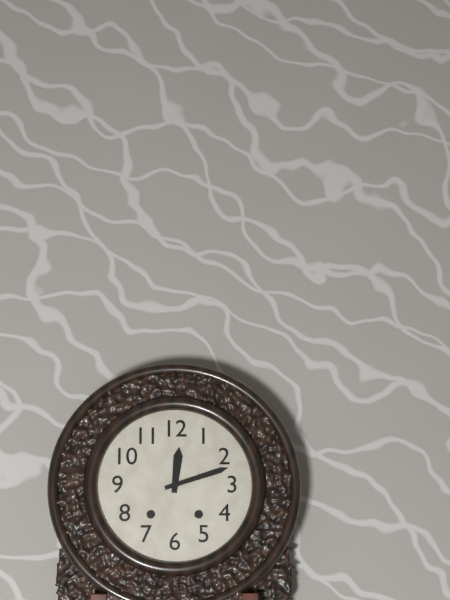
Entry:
h=12 m=12
